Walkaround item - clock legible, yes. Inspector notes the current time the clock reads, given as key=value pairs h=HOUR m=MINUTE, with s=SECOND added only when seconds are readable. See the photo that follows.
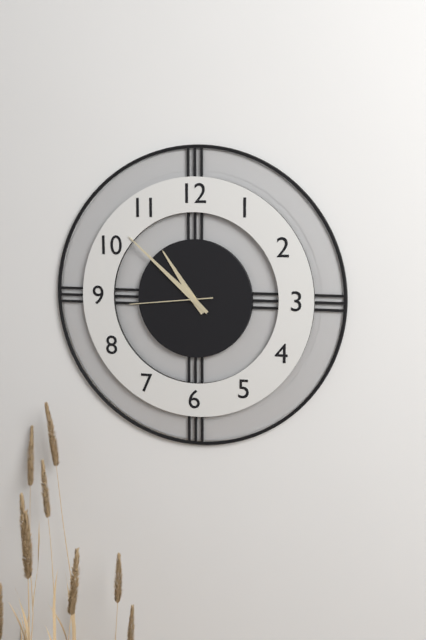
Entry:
h=10 m=52 s=44
